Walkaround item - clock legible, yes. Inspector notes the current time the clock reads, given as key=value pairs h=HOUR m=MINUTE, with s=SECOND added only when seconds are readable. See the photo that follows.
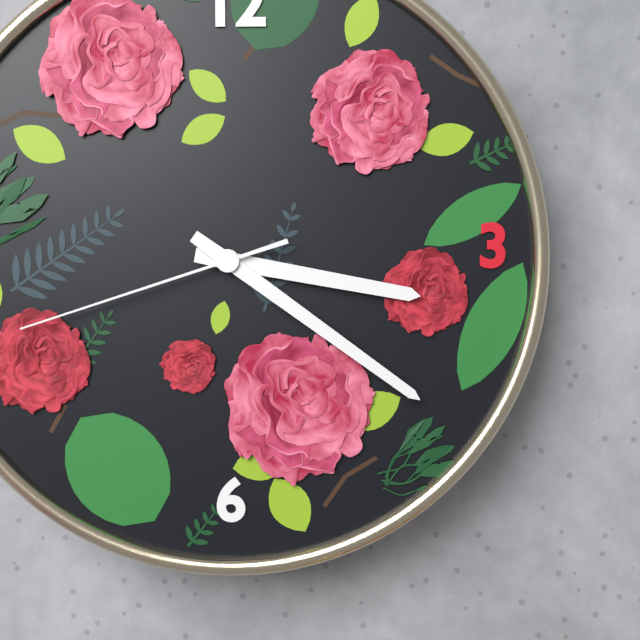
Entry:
h=3 m=21 s=42
